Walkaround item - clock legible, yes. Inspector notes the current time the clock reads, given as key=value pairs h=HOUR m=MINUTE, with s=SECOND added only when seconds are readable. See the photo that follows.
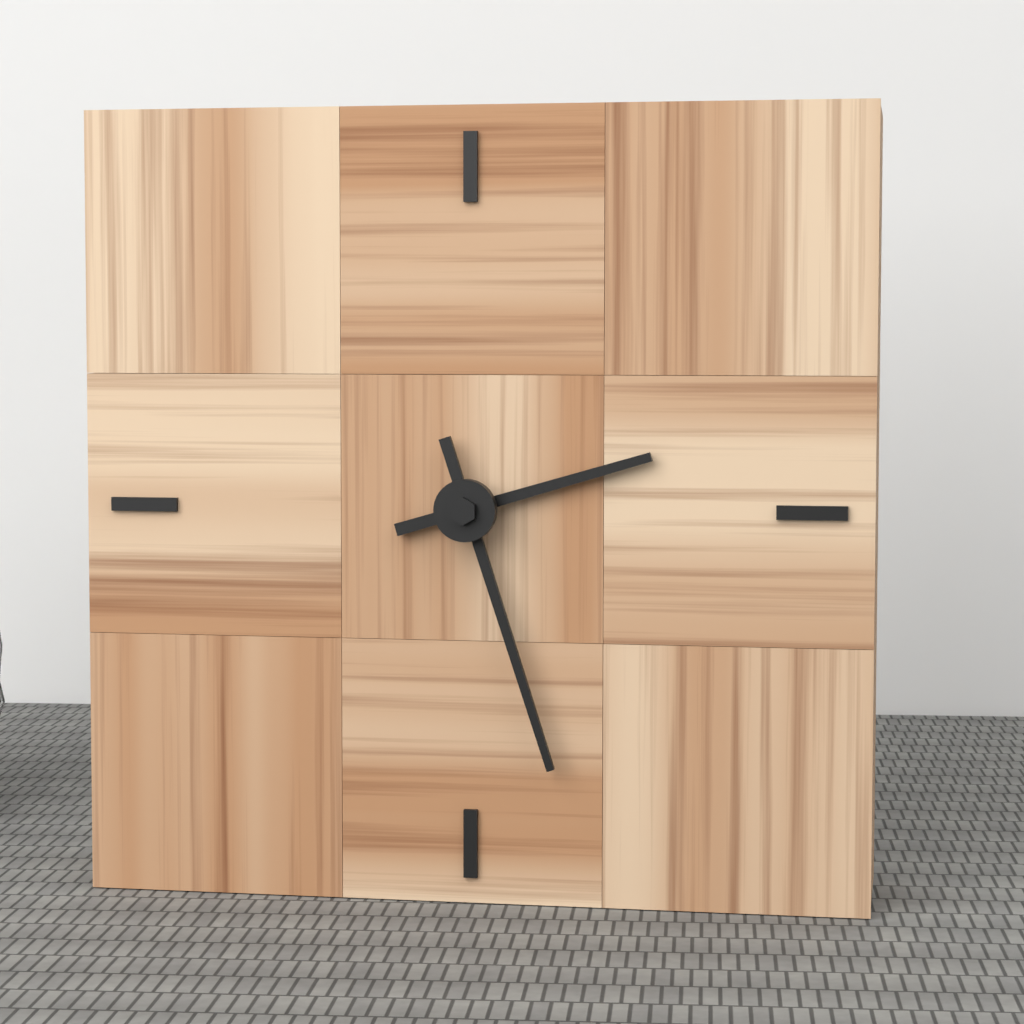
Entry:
h=2 m=27
